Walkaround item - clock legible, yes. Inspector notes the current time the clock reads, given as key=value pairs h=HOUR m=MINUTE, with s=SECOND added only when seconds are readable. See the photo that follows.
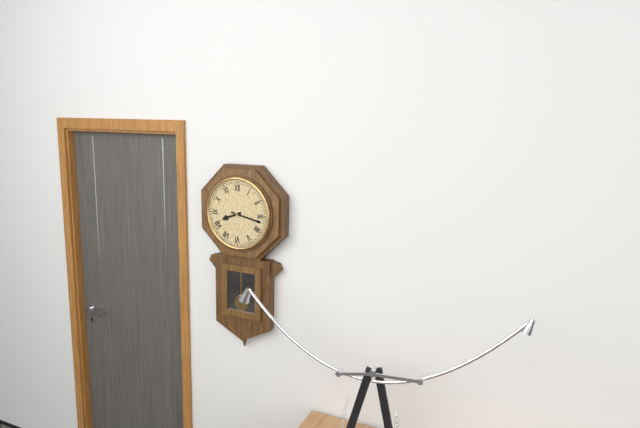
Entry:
h=8 m=17
